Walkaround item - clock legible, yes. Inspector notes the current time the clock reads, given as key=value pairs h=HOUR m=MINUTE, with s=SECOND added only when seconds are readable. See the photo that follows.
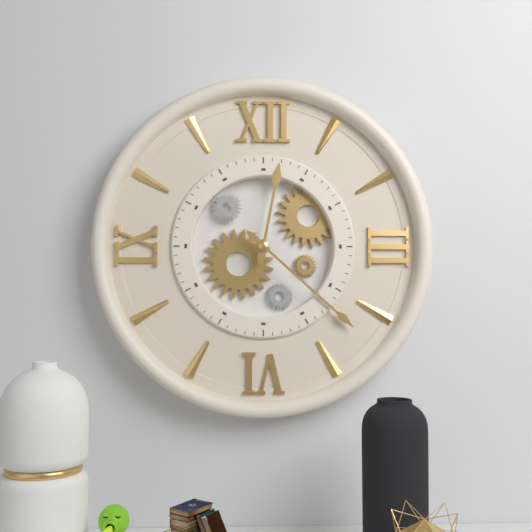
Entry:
h=12 m=22
